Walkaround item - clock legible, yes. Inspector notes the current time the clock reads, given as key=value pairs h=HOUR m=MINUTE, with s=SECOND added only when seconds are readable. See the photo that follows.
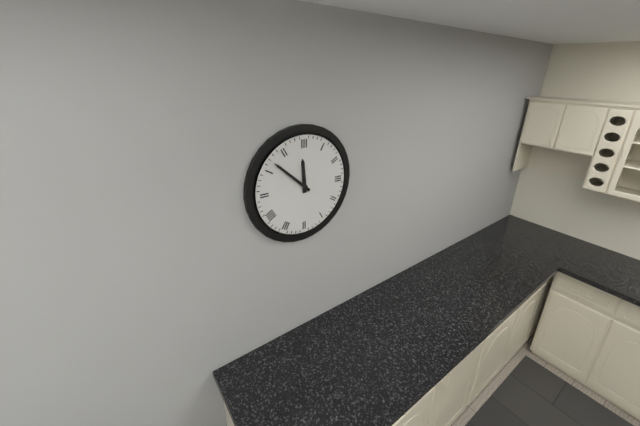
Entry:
h=11 m=52
